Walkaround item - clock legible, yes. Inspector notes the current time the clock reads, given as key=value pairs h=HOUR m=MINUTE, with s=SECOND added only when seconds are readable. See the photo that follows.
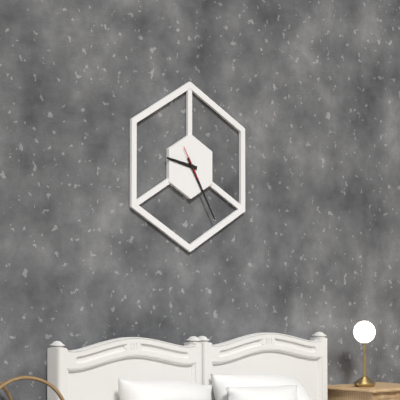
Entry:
h=9 m=25
